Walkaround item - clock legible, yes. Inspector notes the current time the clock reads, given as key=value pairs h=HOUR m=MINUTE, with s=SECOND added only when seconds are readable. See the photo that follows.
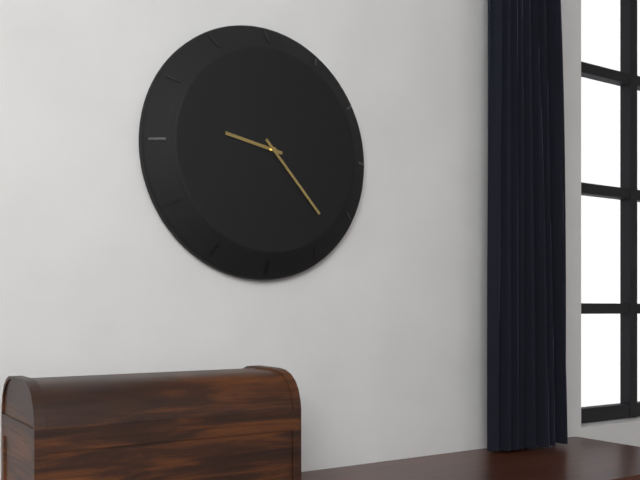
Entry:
h=9 m=23
